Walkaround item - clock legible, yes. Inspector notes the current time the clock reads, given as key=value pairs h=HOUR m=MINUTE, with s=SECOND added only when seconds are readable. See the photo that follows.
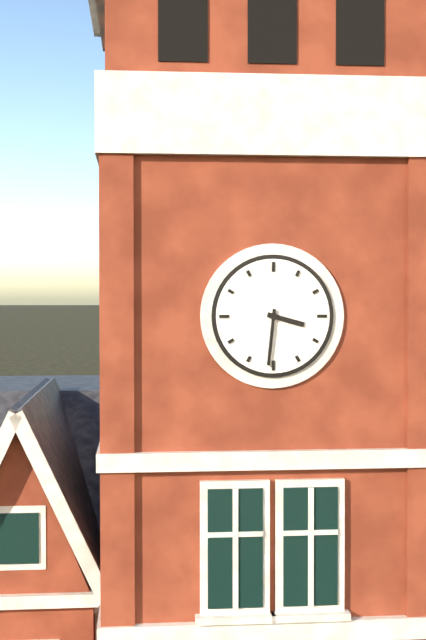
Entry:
h=3 m=31
